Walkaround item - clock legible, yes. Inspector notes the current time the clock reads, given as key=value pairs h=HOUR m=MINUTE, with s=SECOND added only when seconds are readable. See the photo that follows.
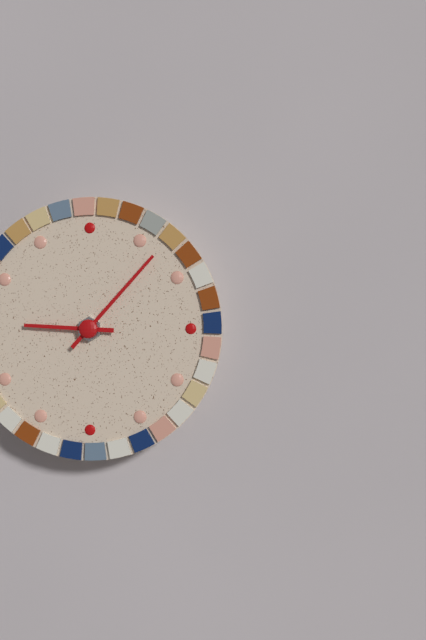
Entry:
h=9 m=7
